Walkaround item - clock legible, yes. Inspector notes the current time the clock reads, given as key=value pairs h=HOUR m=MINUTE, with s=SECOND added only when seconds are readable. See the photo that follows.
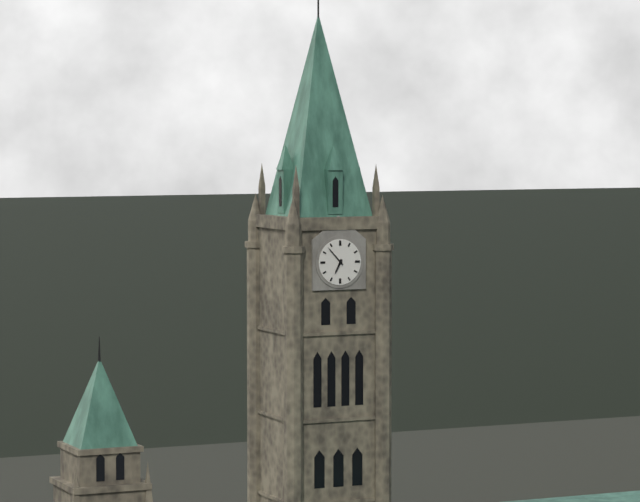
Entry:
h=6 m=53
